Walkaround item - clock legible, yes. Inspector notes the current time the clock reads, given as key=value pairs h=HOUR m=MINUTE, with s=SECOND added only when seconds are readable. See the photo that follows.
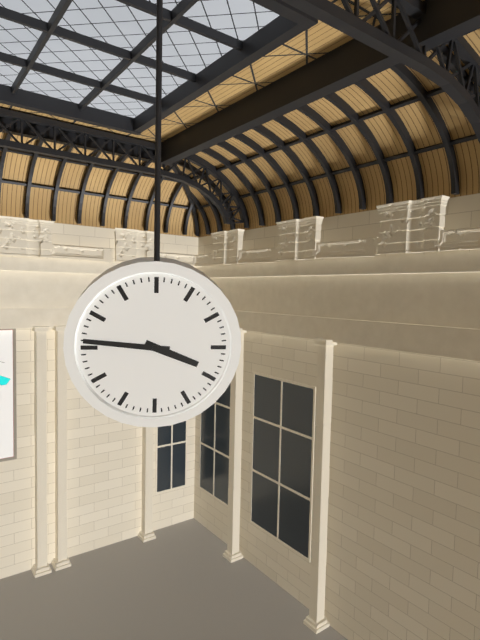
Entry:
h=3 m=46
